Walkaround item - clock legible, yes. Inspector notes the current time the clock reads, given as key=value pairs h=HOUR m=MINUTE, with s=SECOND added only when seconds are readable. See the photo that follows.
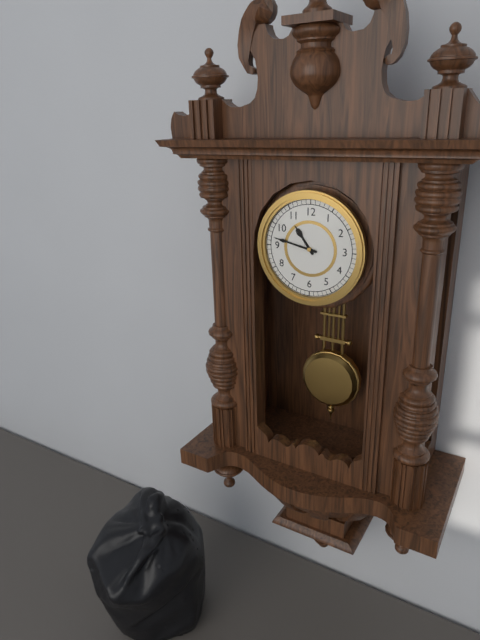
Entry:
h=10 m=47
